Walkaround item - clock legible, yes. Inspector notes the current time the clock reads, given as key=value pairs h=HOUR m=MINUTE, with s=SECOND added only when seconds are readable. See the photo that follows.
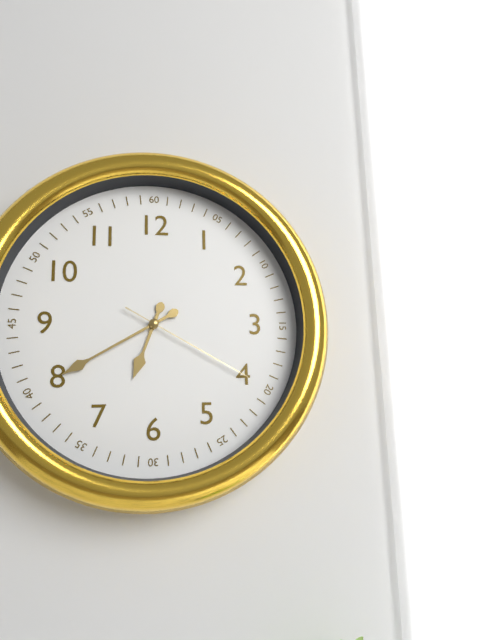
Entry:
h=6 m=40 s=20
